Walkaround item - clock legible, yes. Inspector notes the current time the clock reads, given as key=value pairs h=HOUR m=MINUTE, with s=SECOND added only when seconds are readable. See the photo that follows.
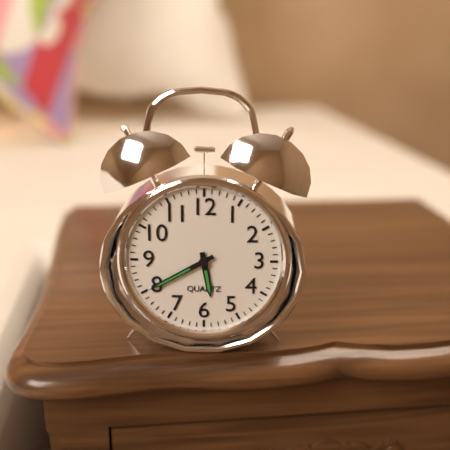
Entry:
h=5 m=40
